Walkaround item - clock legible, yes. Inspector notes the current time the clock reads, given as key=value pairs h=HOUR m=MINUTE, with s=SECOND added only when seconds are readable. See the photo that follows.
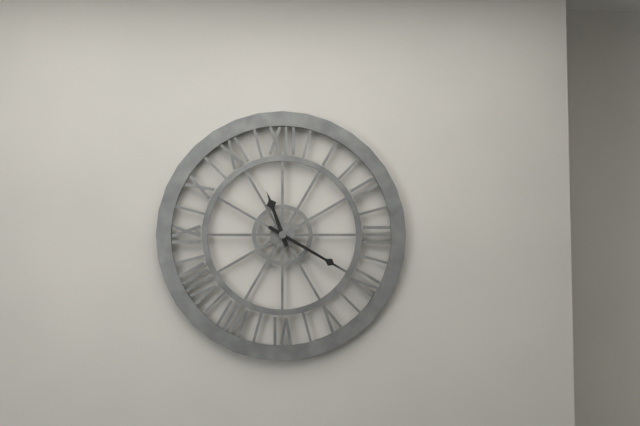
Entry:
h=11 m=20
